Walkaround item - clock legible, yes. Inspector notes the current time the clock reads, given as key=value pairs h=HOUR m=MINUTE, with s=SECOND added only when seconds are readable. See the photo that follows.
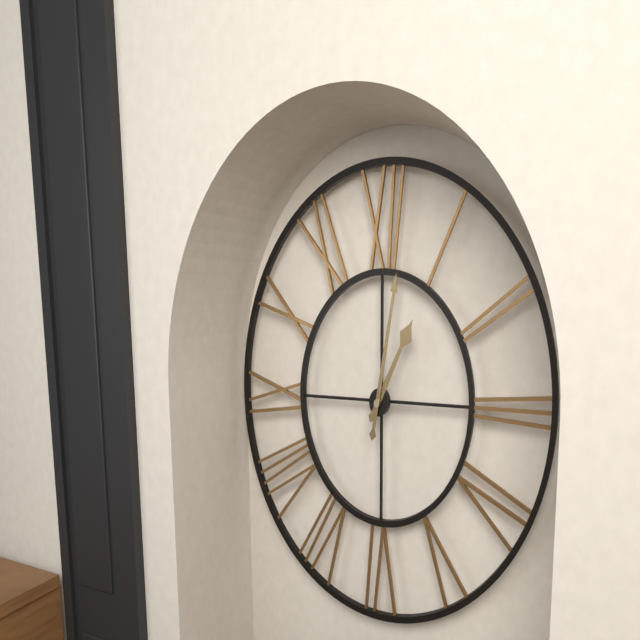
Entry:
h=1 m=2
